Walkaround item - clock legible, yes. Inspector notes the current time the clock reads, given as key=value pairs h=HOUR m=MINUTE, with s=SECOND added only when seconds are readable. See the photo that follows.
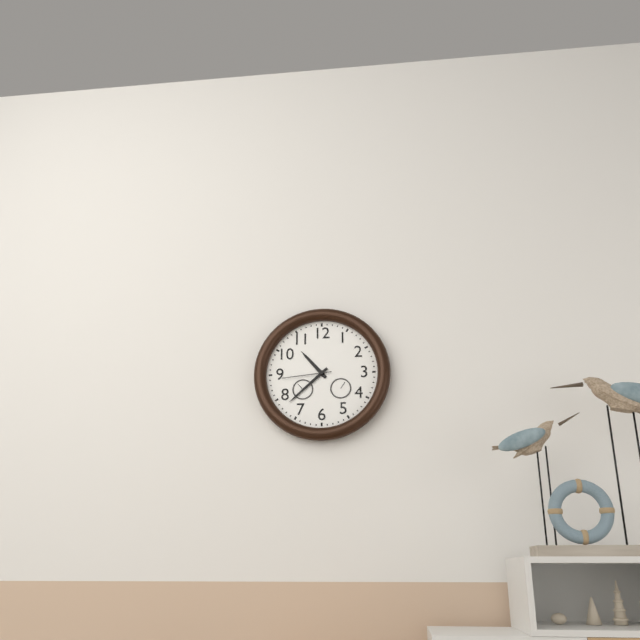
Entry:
h=10 m=38 s=44
